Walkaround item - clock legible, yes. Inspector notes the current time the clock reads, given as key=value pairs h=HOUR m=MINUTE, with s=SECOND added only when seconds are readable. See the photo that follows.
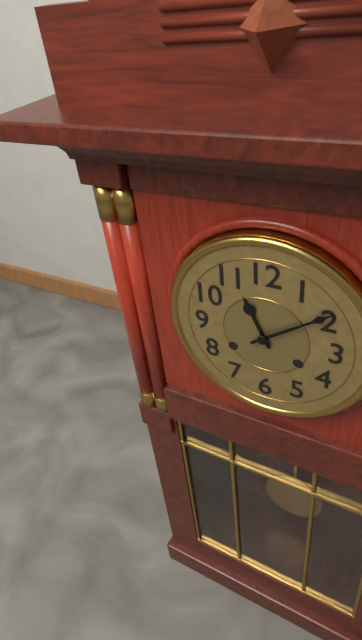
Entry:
h=11 m=9
